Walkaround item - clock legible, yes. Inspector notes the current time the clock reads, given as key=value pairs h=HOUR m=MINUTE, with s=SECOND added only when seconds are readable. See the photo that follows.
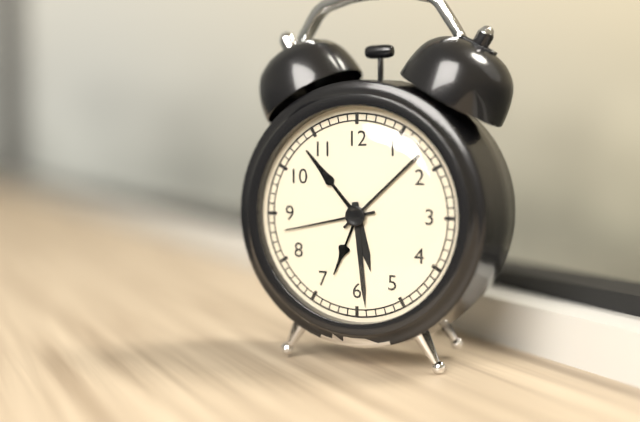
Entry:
h=5 m=29 s=43
